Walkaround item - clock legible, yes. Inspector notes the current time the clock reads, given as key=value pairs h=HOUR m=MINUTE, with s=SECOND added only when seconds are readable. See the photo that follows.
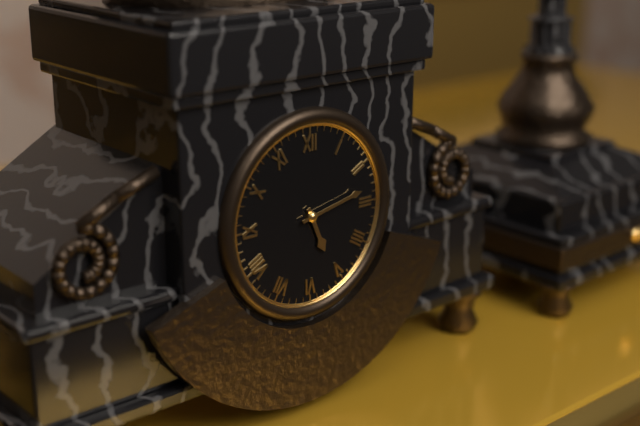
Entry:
h=5 m=13
